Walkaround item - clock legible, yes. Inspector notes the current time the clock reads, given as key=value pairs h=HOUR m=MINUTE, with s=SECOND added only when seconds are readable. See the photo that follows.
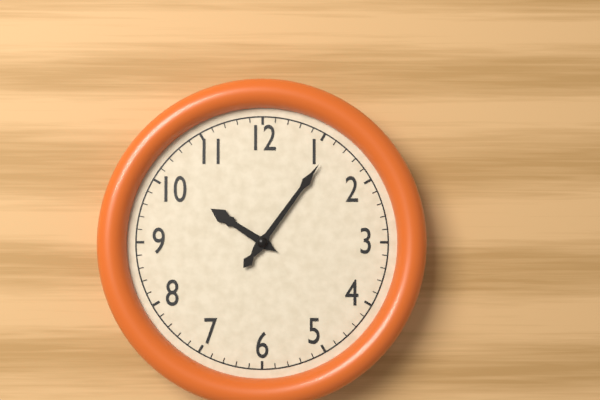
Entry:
h=10 m=6
